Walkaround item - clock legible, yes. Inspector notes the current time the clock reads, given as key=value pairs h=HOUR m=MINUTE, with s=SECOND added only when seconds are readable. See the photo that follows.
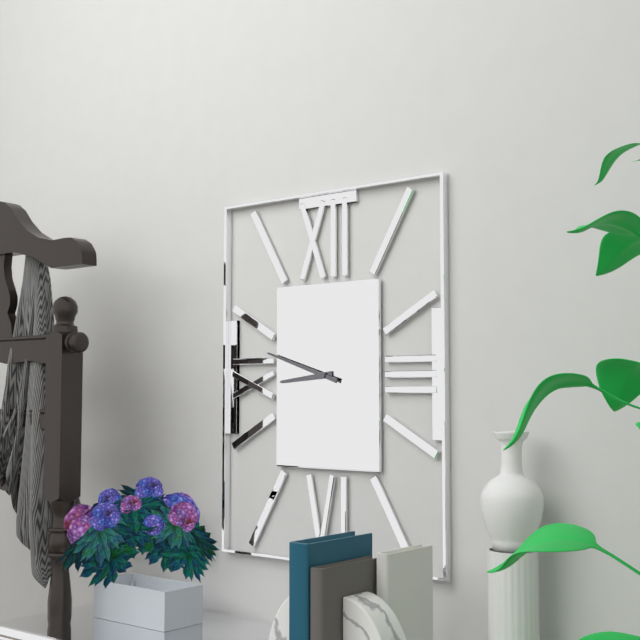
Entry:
h=8 m=48
